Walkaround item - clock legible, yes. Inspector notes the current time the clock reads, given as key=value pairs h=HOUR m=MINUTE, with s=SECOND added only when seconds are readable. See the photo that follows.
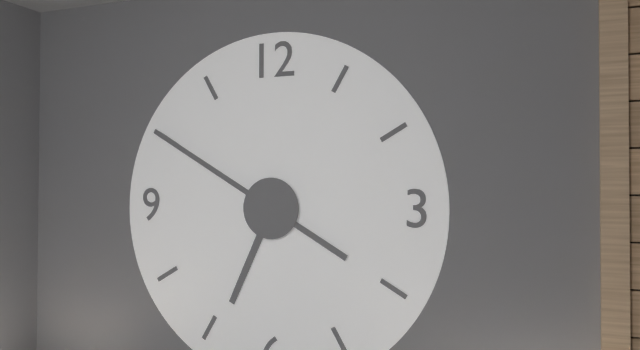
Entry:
h=6 m=50
